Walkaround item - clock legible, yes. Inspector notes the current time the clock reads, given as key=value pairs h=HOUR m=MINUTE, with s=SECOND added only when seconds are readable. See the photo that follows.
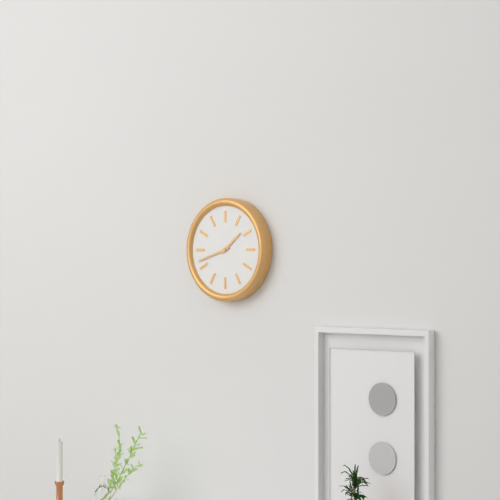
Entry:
h=1 m=42
